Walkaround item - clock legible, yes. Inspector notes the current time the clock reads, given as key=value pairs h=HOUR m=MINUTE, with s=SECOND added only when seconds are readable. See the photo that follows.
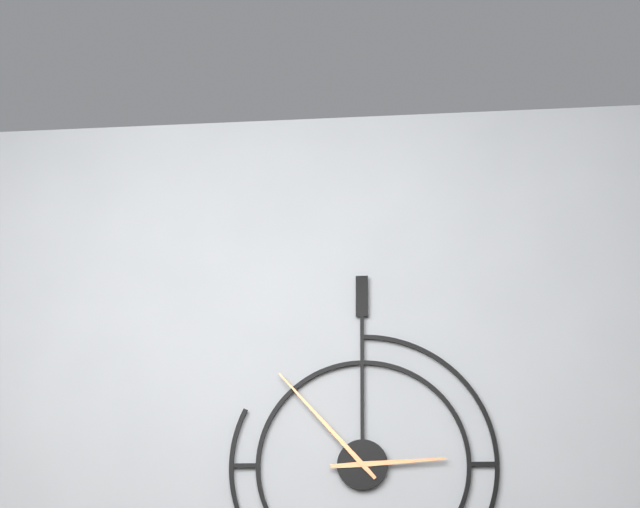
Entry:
h=2 m=53
